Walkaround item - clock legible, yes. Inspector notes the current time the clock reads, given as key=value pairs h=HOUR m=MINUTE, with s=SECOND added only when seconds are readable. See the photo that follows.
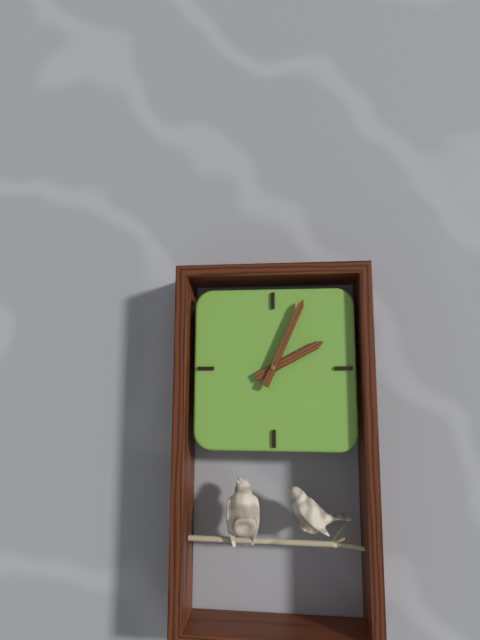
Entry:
h=2 m=4
